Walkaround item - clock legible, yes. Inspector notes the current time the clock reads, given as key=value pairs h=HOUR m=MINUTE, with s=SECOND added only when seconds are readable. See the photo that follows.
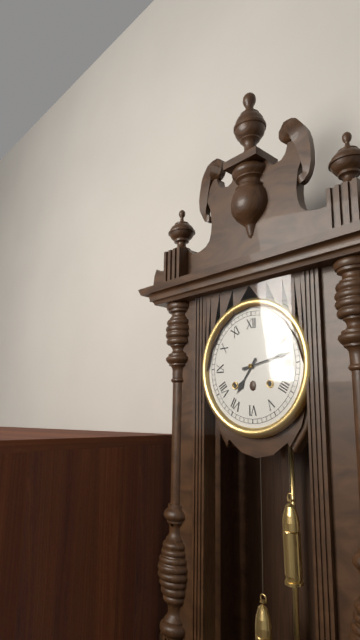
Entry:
h=7 m=13
